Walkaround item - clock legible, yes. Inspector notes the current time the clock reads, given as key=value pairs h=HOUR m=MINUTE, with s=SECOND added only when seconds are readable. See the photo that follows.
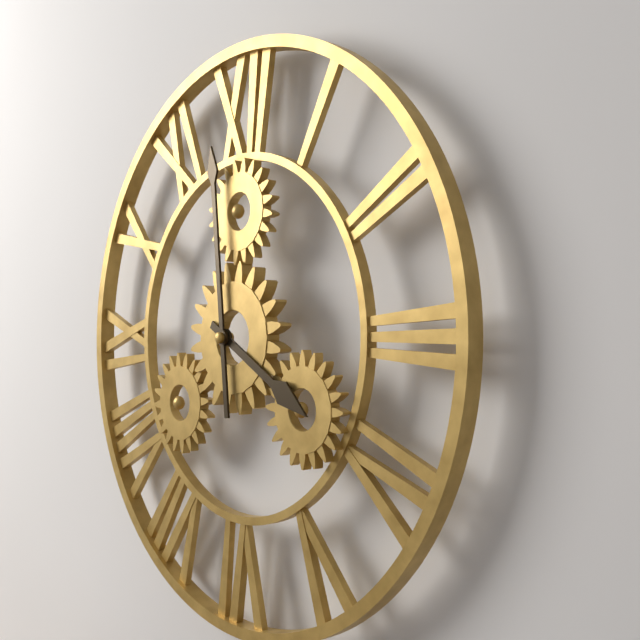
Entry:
h=3 m=59
